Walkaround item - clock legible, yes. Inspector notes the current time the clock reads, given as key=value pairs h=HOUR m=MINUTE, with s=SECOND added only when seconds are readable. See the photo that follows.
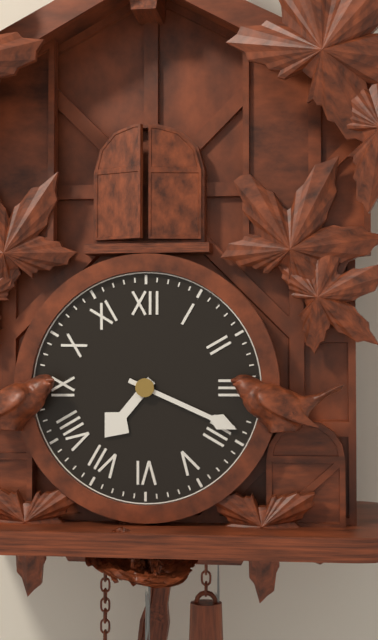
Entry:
h=7 m=19
